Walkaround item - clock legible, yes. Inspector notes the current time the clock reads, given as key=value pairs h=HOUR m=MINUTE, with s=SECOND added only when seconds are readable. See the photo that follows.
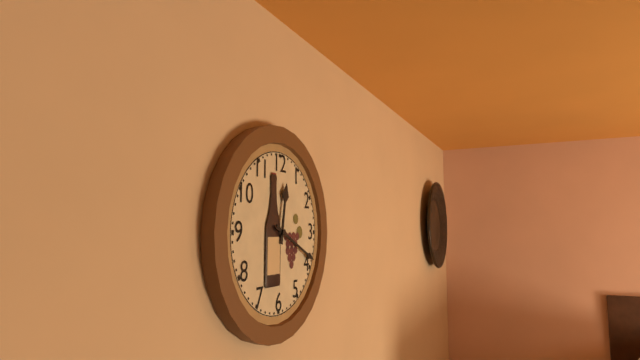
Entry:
h=12 m=19
